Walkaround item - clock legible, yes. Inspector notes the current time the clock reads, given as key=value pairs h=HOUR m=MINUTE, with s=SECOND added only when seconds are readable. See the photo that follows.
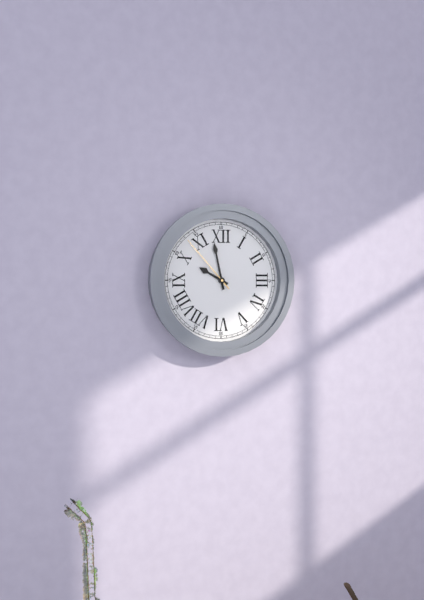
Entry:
h=9 m=58 s=53
